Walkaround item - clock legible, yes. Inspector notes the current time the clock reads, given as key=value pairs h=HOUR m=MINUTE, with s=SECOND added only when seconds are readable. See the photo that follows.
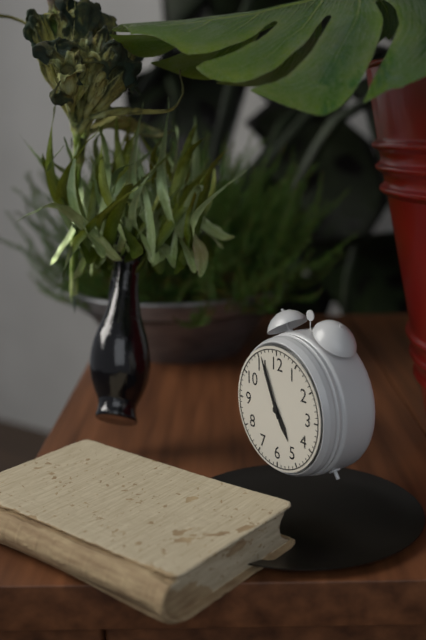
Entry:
h=4 m=56
